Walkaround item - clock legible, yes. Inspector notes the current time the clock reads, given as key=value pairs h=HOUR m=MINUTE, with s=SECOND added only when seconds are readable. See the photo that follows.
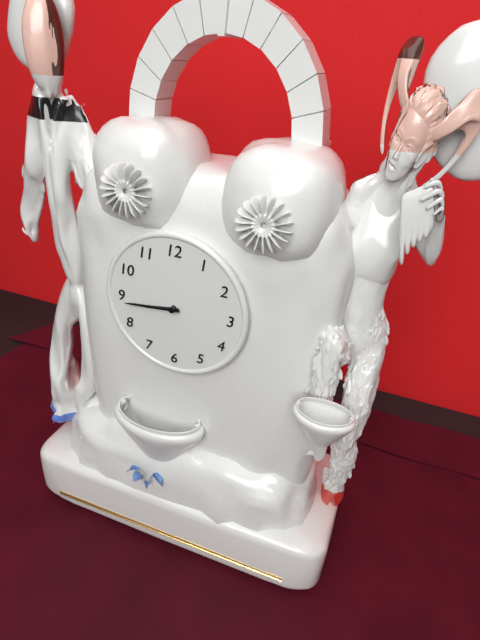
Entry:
h=8 m=44
